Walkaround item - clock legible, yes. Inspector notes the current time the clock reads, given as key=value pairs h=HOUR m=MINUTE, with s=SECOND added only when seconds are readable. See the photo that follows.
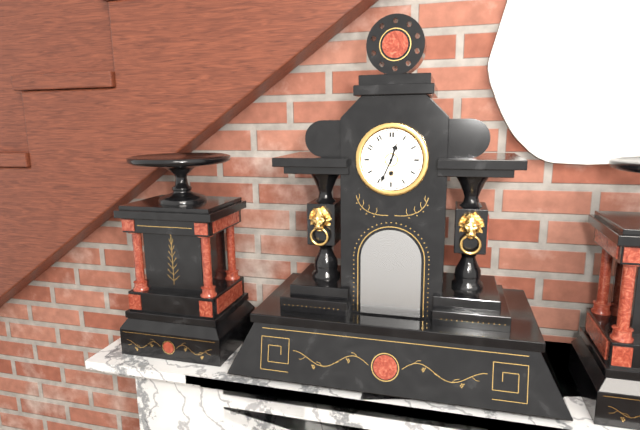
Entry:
h=12 m=34
